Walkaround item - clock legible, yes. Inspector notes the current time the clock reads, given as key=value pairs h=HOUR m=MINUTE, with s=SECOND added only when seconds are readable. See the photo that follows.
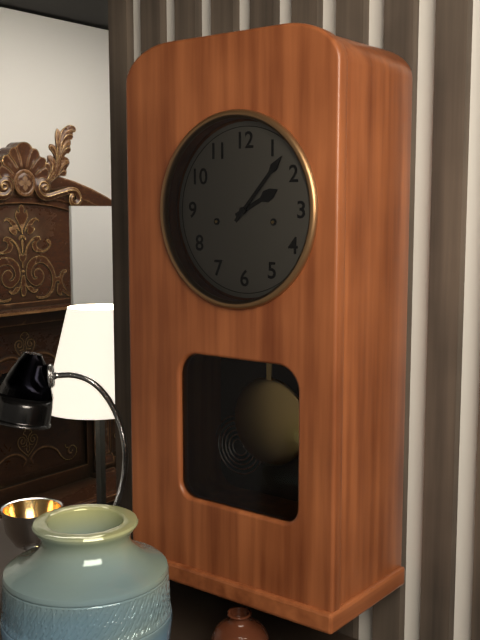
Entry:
h=2 m=7
